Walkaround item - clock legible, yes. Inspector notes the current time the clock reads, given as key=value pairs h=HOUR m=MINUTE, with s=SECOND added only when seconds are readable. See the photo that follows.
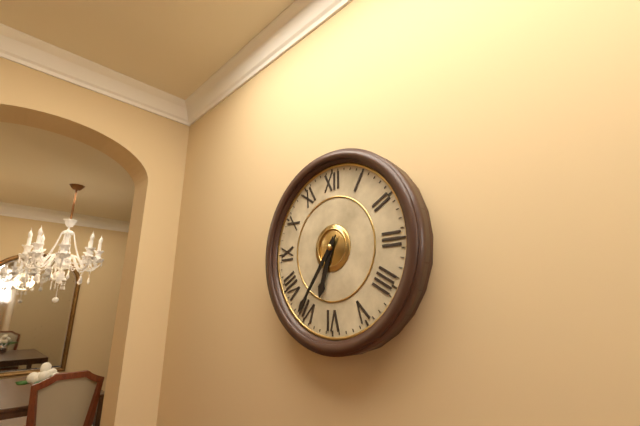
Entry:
h=6 m=36
